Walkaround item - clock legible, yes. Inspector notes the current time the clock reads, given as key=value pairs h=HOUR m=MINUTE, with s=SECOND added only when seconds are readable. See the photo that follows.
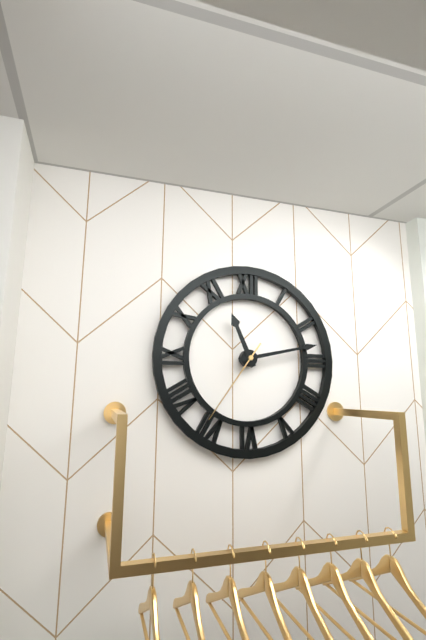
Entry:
h=11 m=13 s=36
